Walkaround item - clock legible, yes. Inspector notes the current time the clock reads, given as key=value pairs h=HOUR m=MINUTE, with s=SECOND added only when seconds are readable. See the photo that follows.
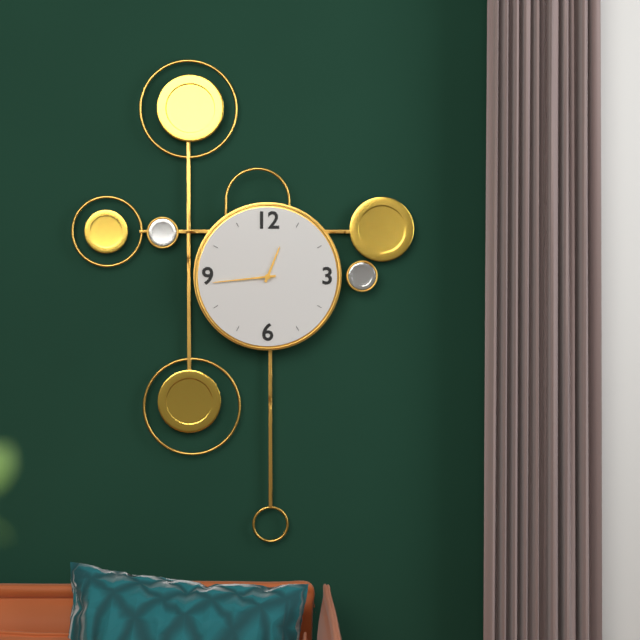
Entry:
h=12 m=44
